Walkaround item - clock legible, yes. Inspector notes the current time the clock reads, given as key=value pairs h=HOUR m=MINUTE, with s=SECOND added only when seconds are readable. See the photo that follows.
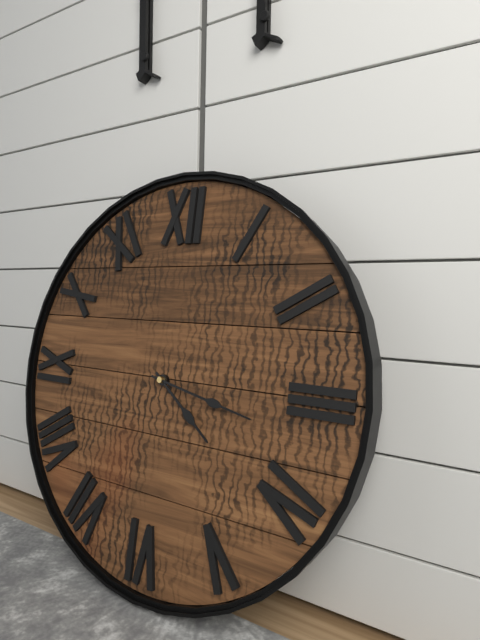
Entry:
h=4 m=17
